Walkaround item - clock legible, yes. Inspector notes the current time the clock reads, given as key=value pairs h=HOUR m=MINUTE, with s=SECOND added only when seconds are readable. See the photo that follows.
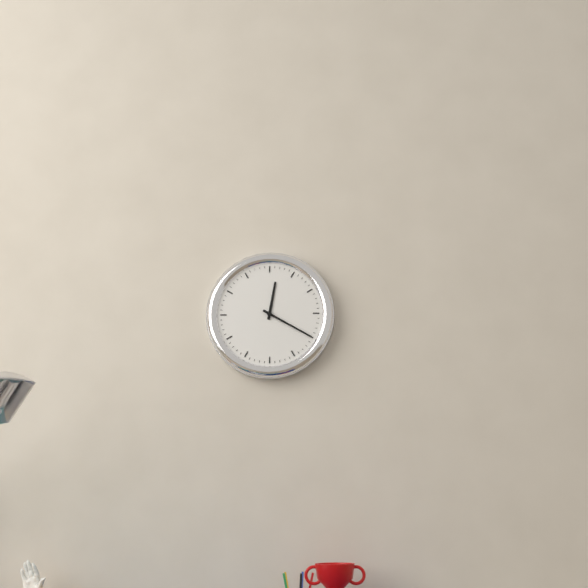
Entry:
h=12 m=20
